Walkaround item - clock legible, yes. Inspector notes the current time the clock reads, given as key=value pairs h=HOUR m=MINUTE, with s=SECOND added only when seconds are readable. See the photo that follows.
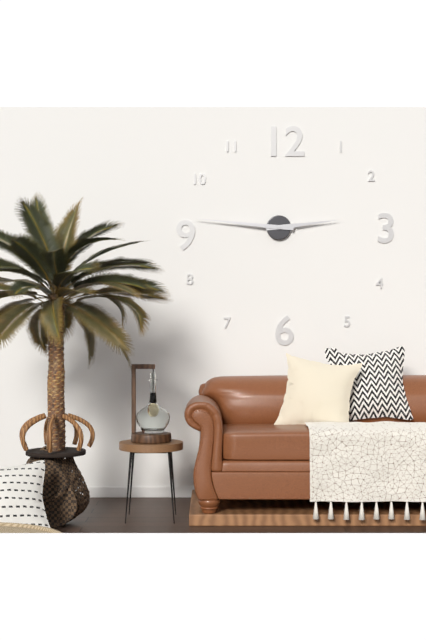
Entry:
h=2 m=46
